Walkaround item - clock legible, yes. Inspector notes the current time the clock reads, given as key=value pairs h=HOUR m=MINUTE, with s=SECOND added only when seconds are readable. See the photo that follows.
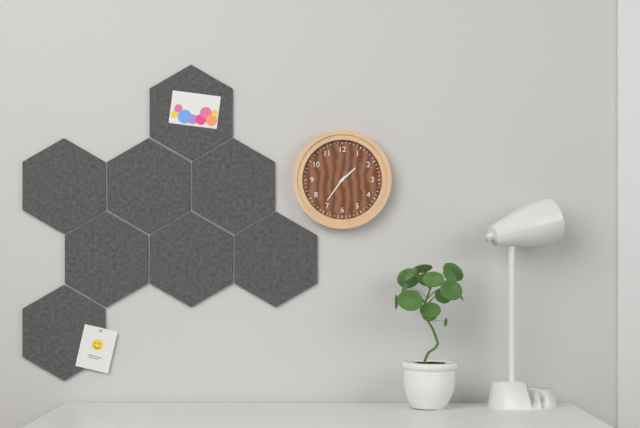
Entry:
h=1 m=36
